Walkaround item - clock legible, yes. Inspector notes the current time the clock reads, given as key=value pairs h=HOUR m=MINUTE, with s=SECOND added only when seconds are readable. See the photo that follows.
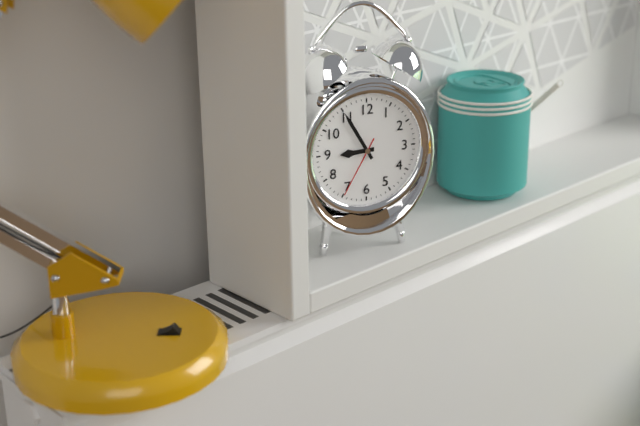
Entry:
h=8 m=55 s=35
